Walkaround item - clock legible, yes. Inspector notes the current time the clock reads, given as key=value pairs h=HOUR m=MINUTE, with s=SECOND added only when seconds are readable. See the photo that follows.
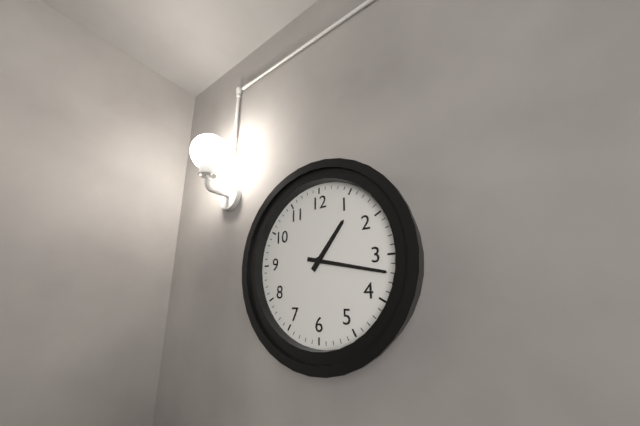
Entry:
h=1 m=17
